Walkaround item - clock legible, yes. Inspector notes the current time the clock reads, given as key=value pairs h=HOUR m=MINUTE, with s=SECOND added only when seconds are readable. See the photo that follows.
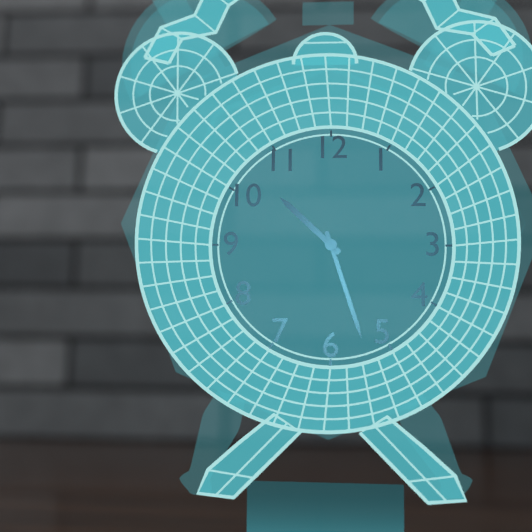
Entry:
h=10 m=27
